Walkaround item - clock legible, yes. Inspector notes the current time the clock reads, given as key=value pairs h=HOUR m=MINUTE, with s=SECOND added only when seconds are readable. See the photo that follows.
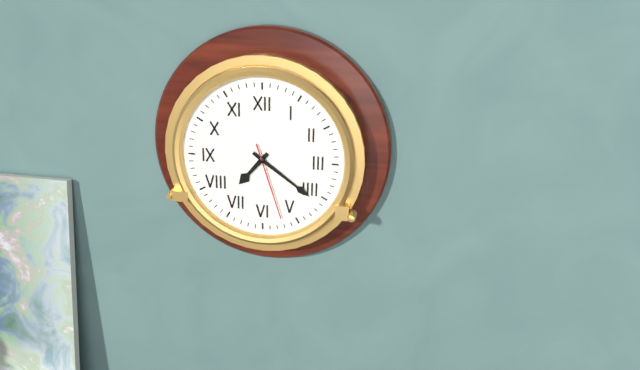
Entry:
h=7 m=21 s=27
